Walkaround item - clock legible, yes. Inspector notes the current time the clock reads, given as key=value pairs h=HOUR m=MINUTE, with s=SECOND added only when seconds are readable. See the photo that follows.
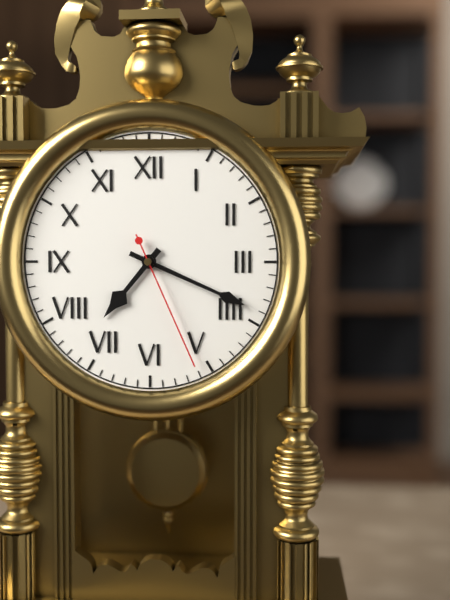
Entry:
h=7 m=19 s=26
